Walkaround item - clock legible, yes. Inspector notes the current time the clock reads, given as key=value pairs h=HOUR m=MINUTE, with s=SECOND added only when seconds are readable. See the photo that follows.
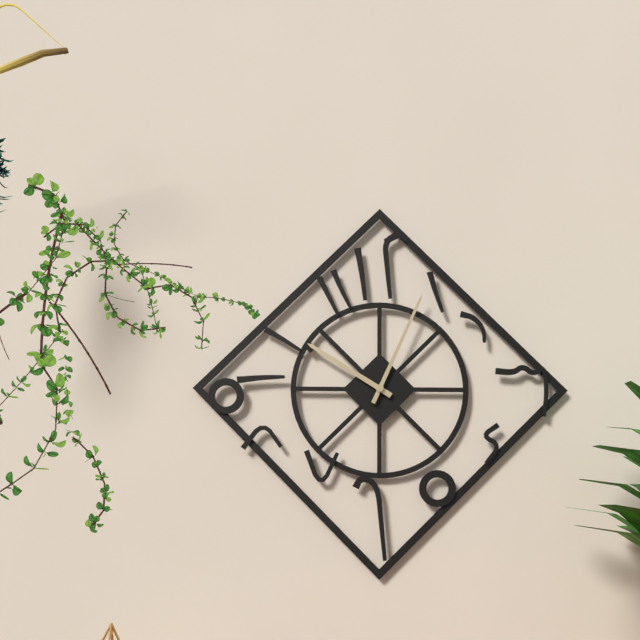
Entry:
h=10 m=4
